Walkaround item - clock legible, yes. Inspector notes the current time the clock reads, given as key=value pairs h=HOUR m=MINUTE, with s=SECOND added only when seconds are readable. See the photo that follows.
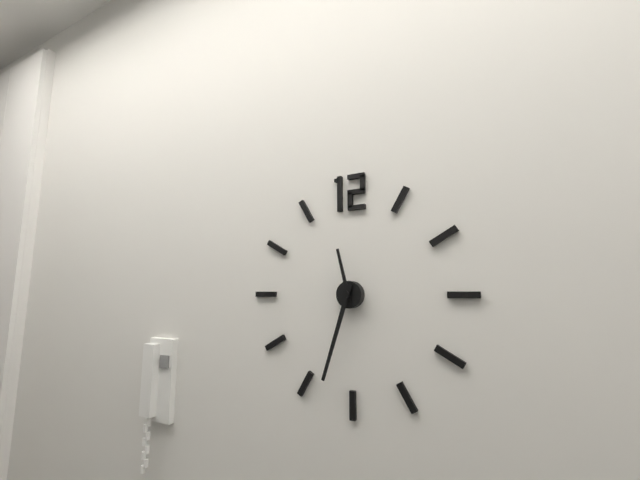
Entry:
h=11 m=33
